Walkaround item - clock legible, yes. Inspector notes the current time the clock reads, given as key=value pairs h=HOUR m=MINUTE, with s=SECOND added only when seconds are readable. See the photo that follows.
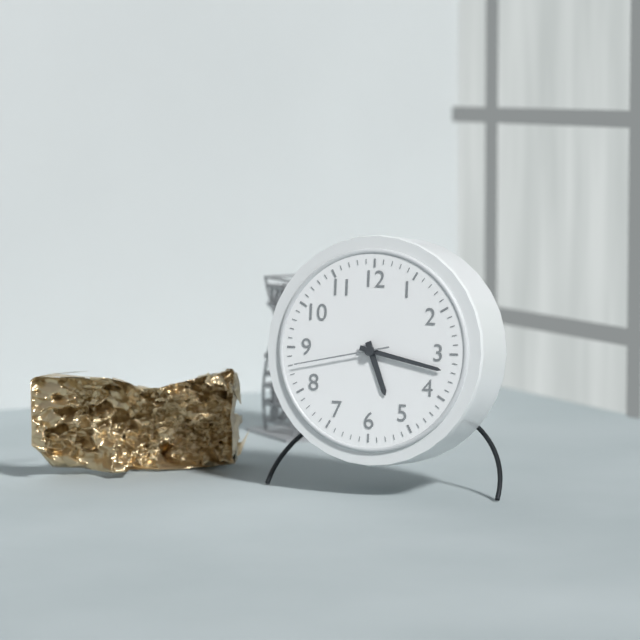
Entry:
h=5 m=17 s=43
